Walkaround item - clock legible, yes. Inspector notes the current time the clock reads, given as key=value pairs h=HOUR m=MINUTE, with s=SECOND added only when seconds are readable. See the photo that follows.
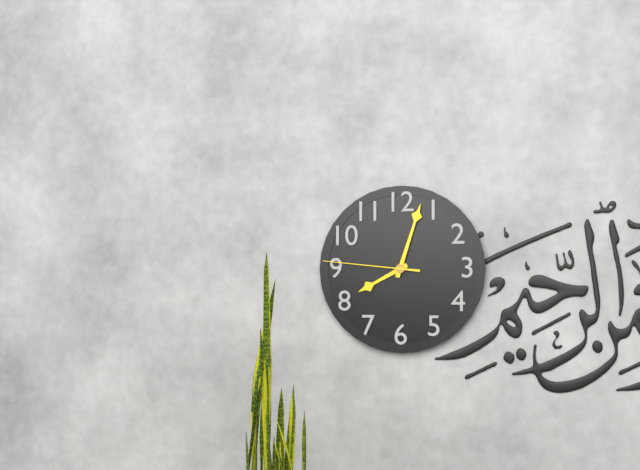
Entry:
h=8 m=3 s=46
